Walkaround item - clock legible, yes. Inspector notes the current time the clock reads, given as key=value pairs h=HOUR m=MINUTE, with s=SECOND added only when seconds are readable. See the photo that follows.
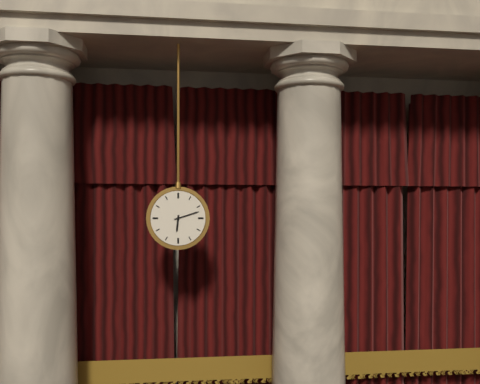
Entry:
h=6 m=12
